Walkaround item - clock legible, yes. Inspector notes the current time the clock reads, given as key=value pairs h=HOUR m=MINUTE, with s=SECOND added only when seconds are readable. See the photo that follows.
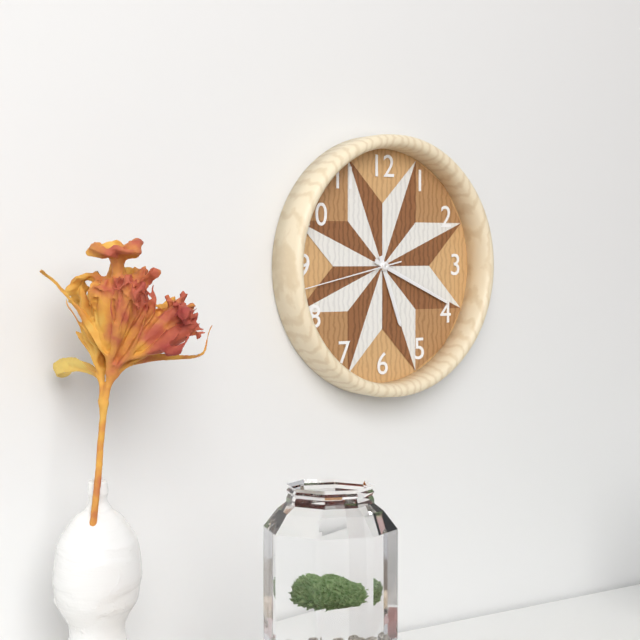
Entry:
h=5 m=19 s=43
